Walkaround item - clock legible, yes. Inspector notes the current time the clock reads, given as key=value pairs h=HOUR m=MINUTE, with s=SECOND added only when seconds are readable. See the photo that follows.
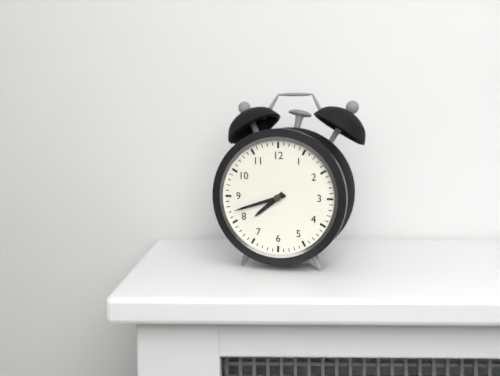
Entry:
h=7 m=42
